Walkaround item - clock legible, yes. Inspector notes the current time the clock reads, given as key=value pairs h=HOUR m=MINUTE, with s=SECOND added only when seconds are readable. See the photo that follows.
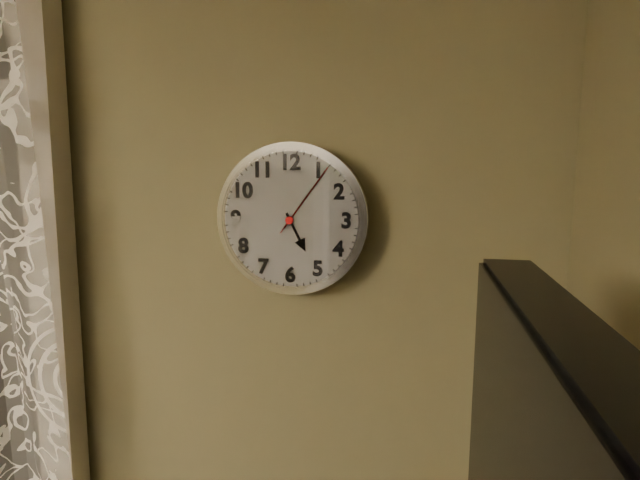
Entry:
h=5 m=6 s=6
